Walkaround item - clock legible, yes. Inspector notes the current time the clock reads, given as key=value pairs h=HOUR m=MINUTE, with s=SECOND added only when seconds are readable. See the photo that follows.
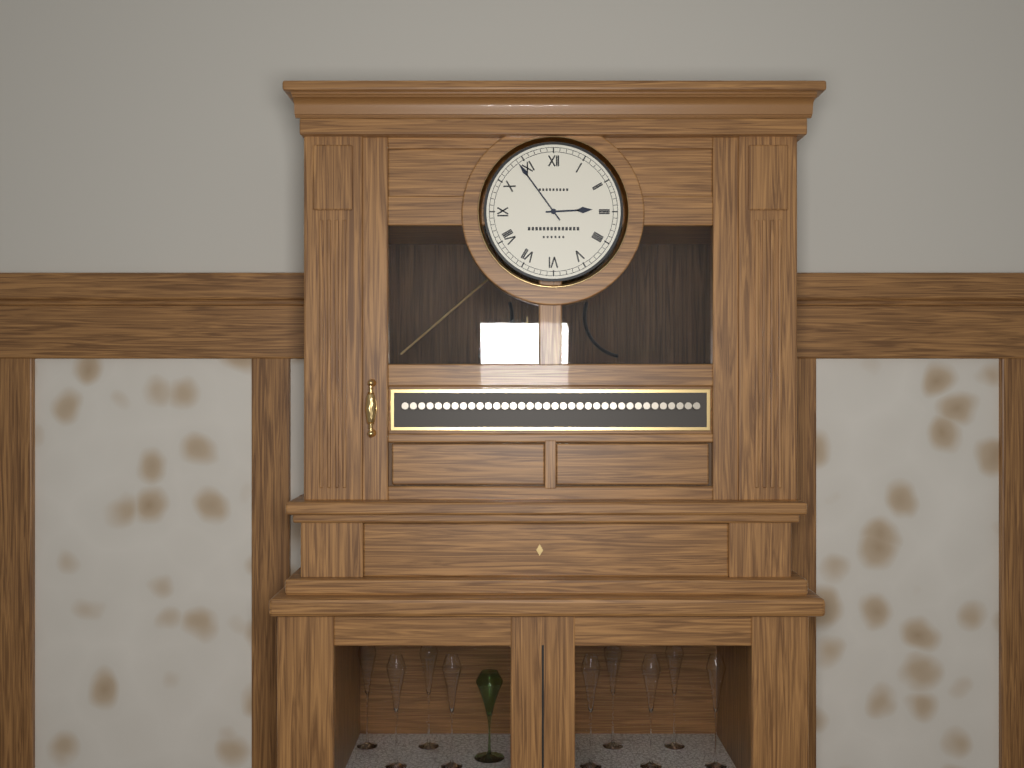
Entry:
h=2 m=54
